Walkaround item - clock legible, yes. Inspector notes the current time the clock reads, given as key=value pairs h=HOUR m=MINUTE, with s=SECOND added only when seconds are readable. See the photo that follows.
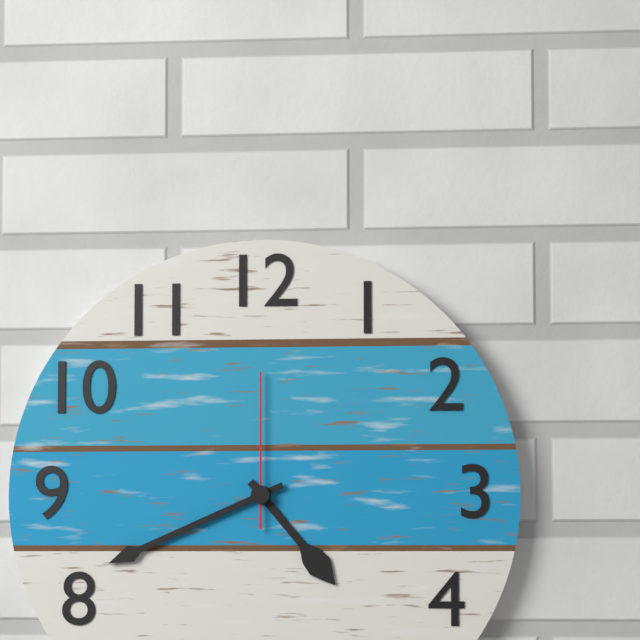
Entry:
h=4 m=41 s=0
